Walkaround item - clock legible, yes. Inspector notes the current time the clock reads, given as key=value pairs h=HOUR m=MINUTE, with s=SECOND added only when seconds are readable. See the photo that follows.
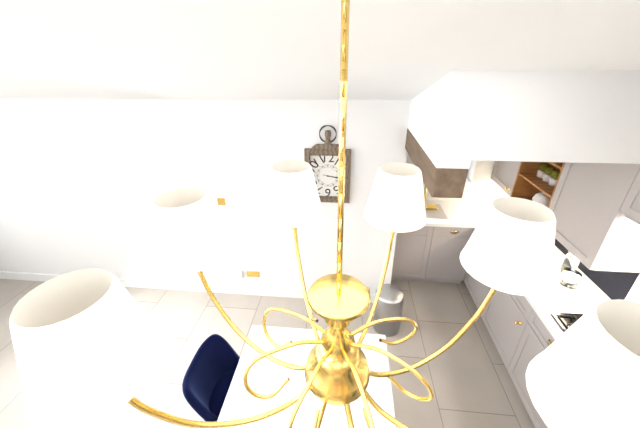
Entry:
h=3 m=17
